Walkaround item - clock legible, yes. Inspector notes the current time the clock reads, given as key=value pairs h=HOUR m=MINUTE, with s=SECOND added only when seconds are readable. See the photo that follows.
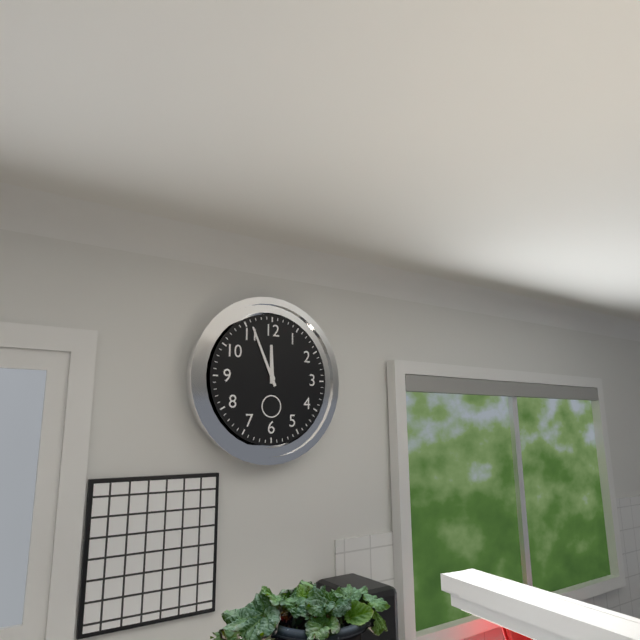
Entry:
h=11 m=56
